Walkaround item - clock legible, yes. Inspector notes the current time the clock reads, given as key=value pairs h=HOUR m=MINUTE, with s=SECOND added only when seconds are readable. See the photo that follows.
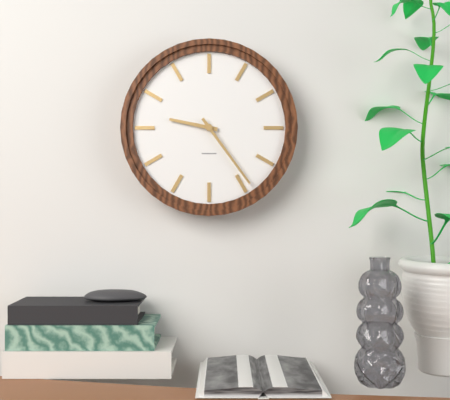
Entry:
h=9 m=24
